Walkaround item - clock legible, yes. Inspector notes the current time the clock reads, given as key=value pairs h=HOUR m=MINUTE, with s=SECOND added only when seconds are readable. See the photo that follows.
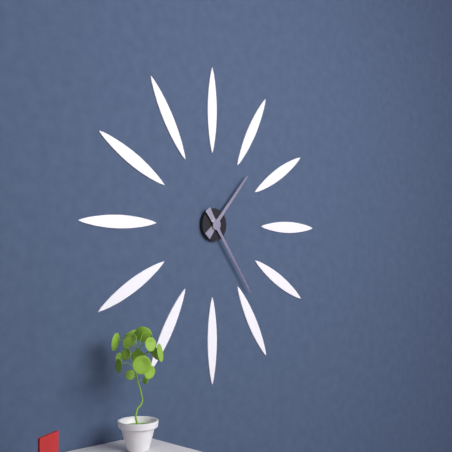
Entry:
h=1 m=24
